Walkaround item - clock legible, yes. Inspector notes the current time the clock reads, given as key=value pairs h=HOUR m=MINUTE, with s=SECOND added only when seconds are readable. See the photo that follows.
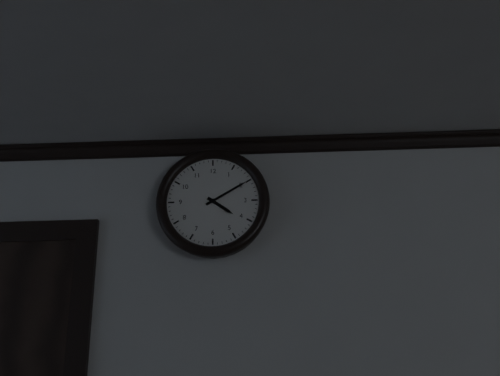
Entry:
h=4 m=10
